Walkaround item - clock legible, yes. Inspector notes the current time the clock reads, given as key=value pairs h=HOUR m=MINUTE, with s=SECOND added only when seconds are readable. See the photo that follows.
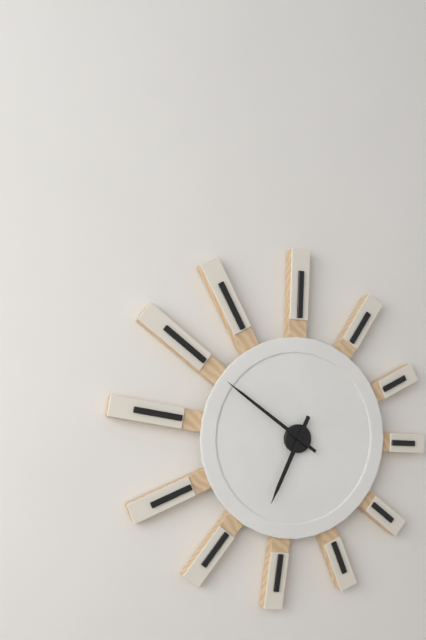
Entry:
h=6 m=51
